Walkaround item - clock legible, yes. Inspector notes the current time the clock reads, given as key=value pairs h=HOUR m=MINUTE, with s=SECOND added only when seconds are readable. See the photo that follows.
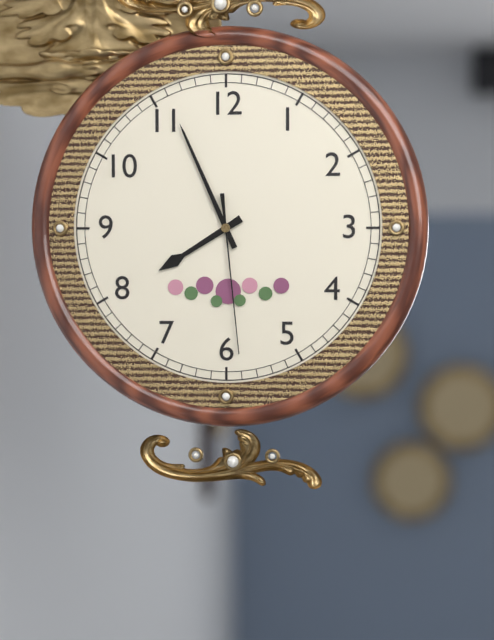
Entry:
h=7 m=56 s=29
